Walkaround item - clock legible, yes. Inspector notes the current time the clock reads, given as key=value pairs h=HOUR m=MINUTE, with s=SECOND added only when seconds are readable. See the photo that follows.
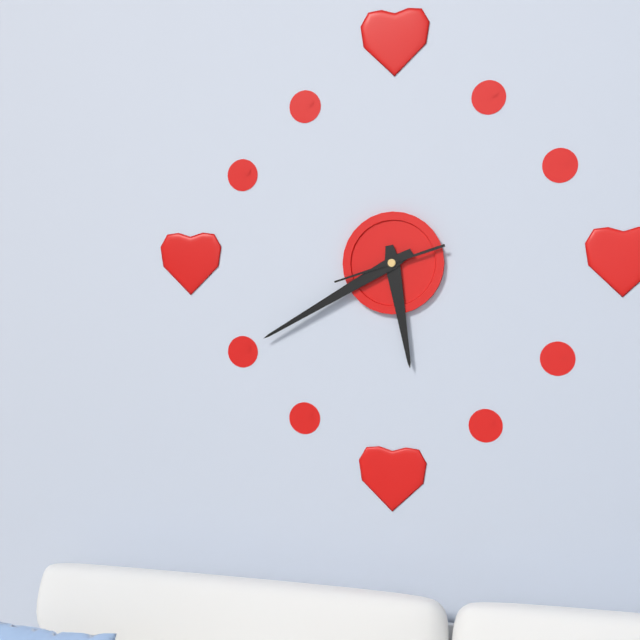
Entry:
h=5 m=40 s=42
